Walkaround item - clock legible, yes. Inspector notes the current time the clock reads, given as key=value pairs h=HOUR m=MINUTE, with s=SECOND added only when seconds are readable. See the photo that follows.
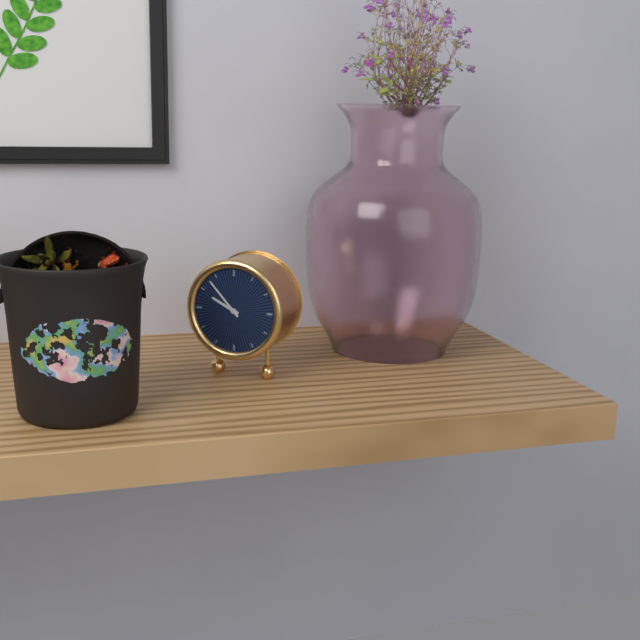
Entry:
h=9 m=53
